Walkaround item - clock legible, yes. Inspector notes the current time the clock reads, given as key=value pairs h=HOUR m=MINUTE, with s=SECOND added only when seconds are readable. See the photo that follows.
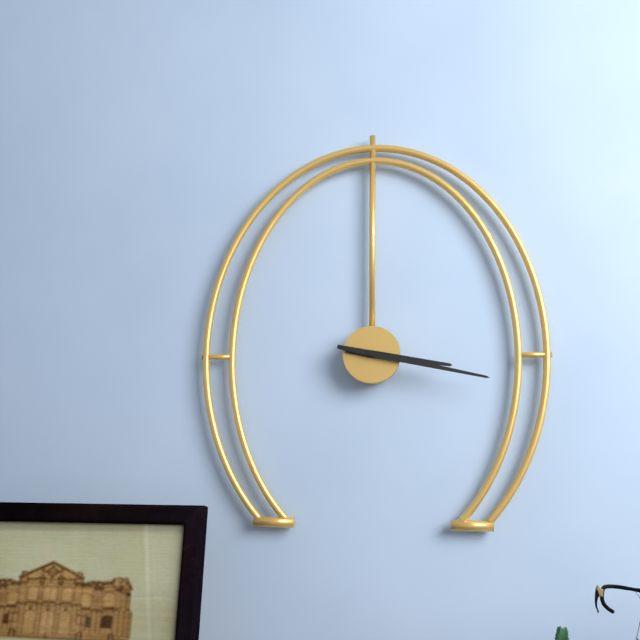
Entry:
h=3 m=17
